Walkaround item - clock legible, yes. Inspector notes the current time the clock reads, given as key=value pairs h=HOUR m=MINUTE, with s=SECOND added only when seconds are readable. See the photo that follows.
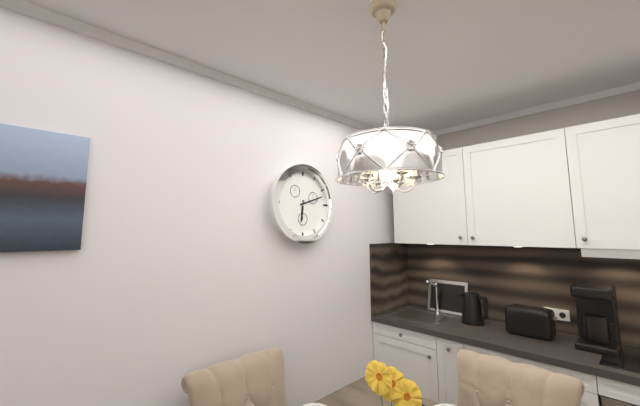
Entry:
h=6 m=12
